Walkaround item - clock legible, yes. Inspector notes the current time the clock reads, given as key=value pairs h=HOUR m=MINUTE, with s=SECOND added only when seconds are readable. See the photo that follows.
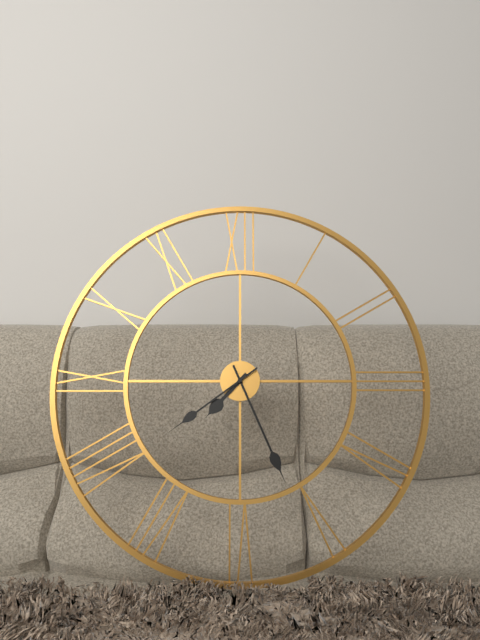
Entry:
h=7 m=26 s=39
